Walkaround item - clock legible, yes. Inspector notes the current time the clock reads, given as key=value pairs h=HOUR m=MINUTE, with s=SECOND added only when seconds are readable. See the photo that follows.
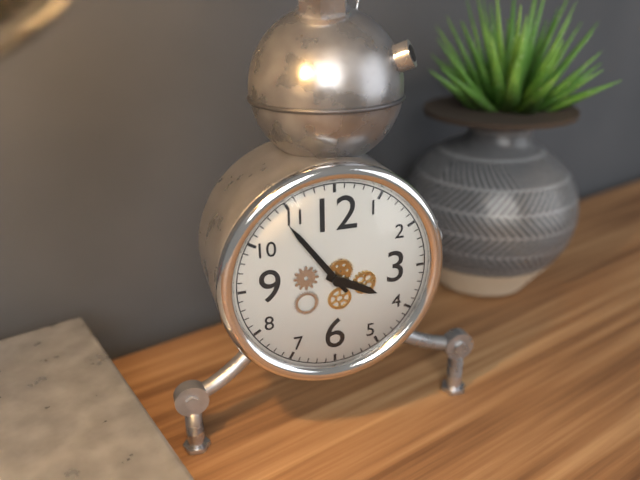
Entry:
h=3 m=54
